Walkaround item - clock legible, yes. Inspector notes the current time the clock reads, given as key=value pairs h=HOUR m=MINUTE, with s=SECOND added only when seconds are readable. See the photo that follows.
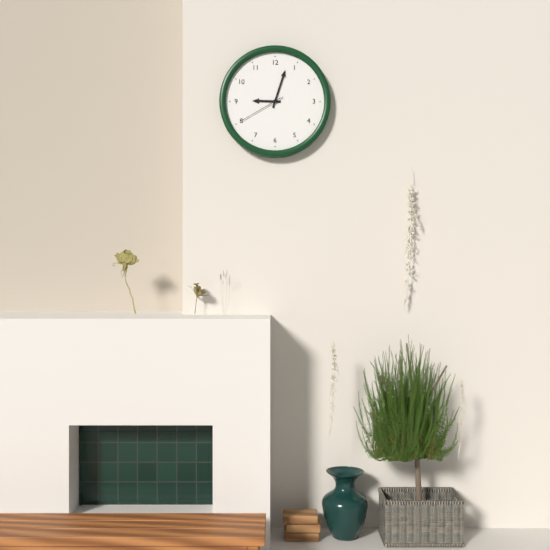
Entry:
h=9 m=3
